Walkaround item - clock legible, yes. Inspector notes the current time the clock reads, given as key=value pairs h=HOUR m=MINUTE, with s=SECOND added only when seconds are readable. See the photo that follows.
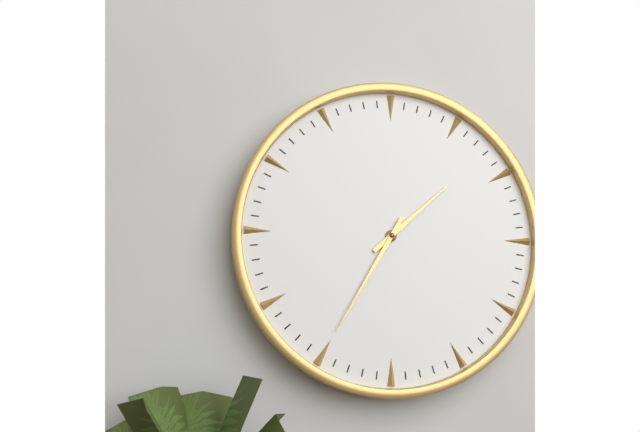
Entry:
h=1 m=35
